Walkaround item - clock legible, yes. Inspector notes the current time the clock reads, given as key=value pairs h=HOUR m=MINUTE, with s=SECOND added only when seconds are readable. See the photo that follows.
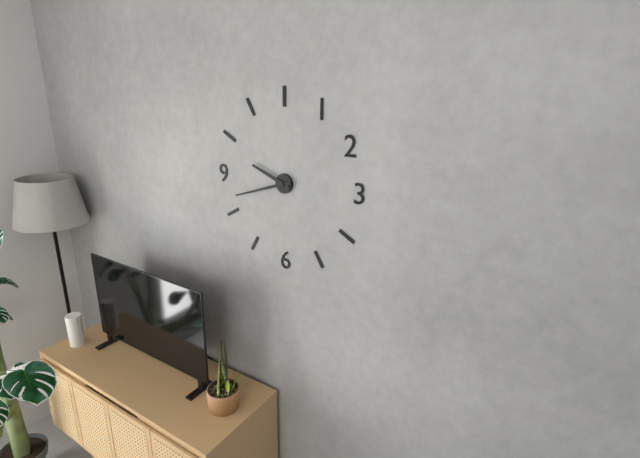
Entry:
h=9 m=42
